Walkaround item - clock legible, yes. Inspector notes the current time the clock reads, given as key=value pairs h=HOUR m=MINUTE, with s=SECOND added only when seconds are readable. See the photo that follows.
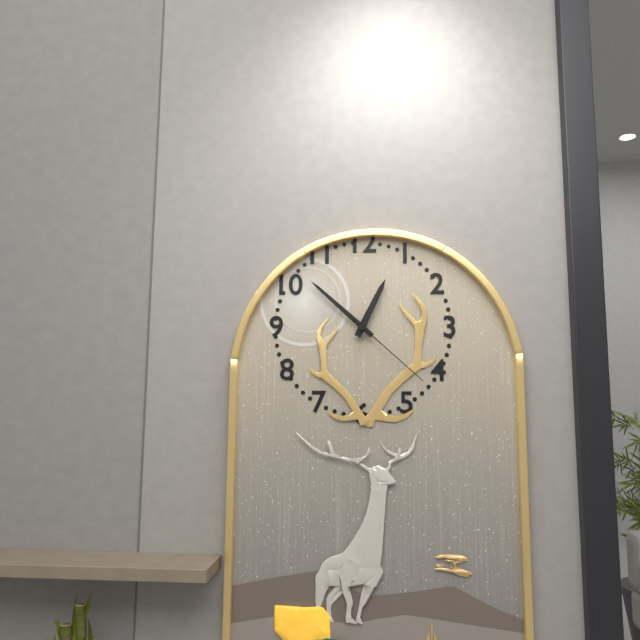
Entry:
h=12 m=52 s=22
